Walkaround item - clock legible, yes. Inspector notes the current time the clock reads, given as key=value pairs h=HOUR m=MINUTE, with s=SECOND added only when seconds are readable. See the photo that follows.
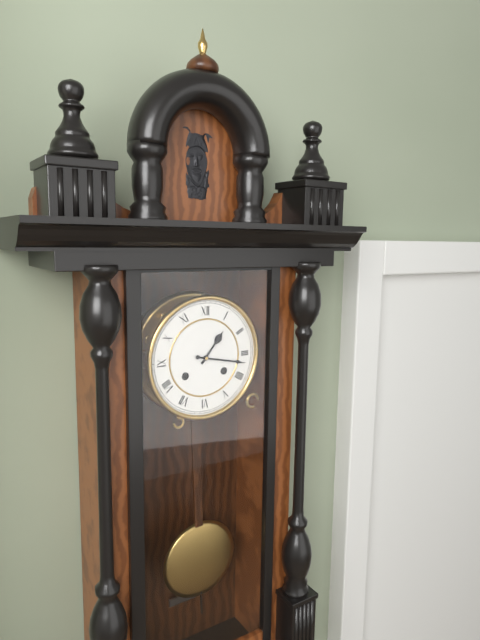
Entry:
h=1 m=17
